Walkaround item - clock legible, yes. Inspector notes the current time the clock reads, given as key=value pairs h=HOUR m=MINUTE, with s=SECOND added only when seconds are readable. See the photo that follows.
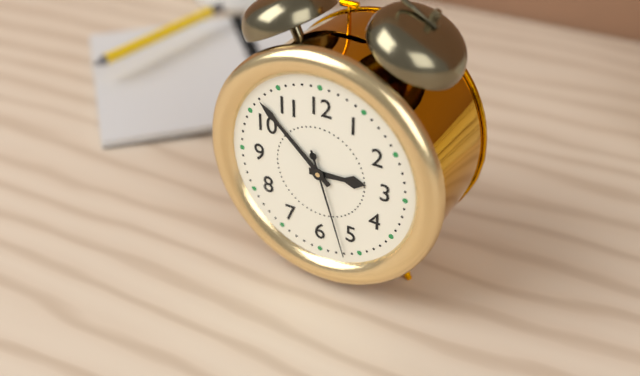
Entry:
h=2 m=52 s=27
